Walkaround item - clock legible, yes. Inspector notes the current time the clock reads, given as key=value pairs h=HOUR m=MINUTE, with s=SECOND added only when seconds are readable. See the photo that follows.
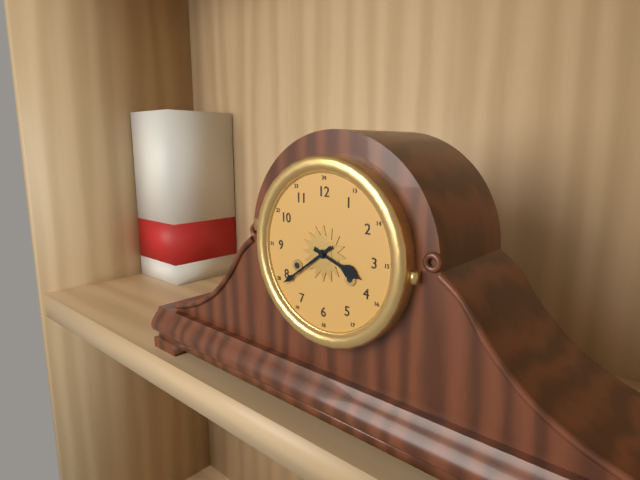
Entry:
h=3 m=39
